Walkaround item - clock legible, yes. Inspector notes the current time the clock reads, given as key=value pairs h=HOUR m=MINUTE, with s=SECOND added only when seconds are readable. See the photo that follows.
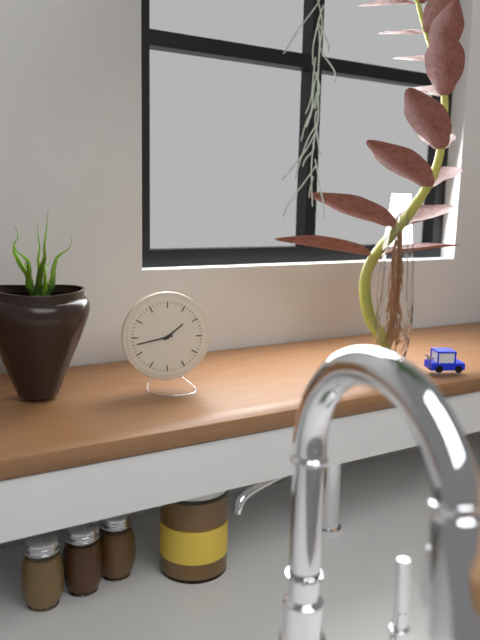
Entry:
h=1 m=43
